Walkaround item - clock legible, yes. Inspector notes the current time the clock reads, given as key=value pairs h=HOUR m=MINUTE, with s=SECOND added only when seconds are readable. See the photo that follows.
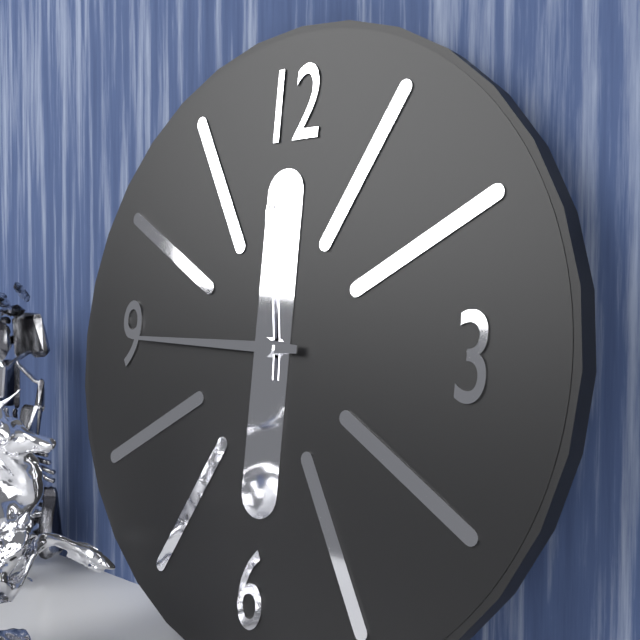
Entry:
h=11 m=45
